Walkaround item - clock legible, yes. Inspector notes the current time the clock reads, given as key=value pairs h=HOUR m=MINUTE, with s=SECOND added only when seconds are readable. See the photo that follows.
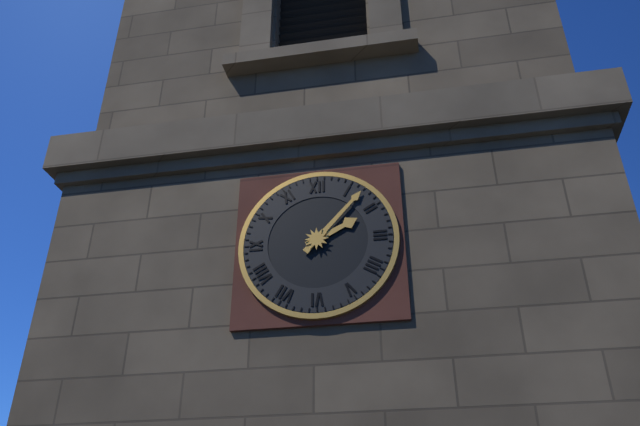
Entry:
h=2 m=7
